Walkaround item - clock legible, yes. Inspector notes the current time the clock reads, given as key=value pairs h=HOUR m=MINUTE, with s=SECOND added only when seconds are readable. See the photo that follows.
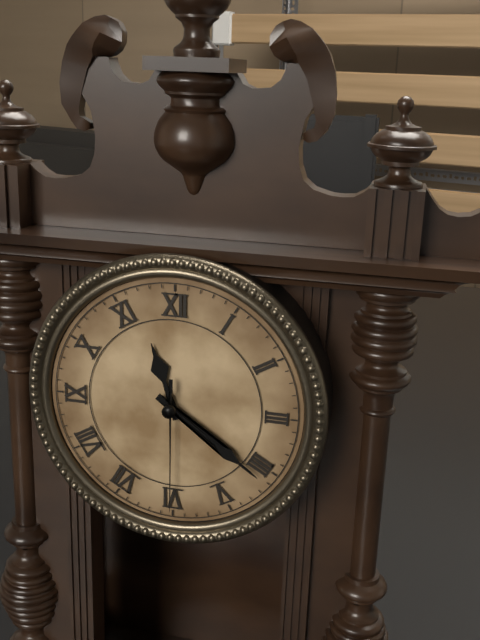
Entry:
h=11 m=21 s=30
